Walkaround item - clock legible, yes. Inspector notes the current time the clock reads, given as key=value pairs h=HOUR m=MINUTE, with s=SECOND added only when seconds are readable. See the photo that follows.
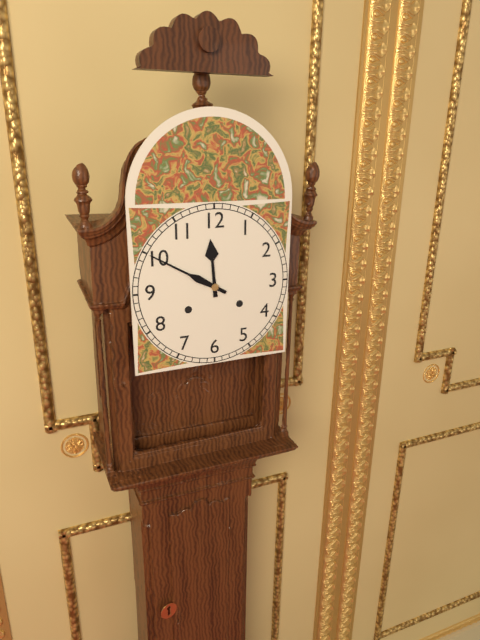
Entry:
h=11 m=50
